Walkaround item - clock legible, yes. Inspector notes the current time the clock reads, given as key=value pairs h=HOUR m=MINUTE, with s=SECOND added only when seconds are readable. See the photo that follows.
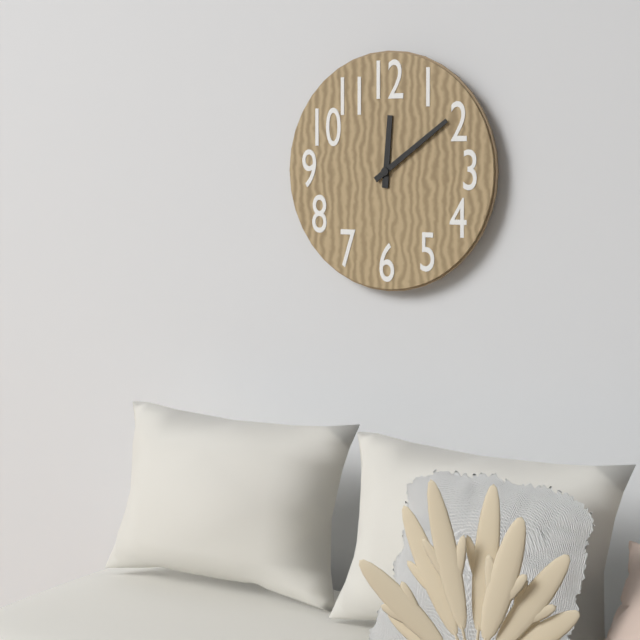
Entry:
h=12 m=9
